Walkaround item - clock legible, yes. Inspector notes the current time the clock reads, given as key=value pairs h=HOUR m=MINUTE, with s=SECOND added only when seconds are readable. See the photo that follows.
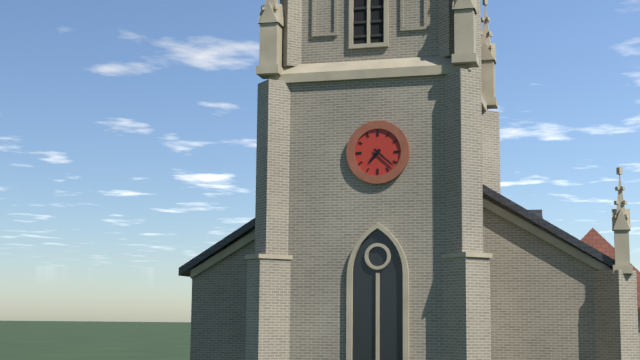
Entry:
h=7 m=22
